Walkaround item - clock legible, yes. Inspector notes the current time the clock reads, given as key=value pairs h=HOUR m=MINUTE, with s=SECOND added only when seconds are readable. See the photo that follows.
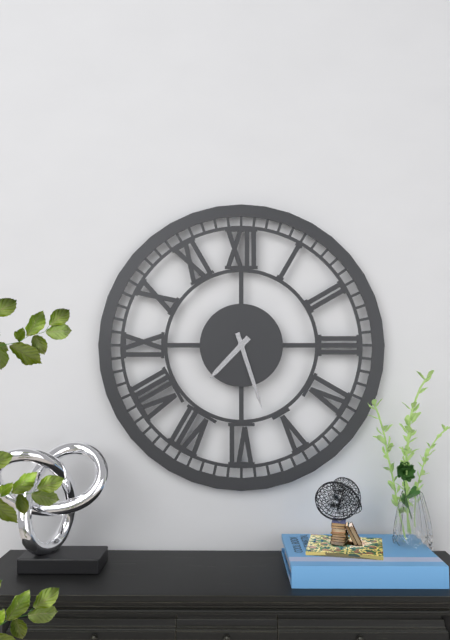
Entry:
h=7 m=27
